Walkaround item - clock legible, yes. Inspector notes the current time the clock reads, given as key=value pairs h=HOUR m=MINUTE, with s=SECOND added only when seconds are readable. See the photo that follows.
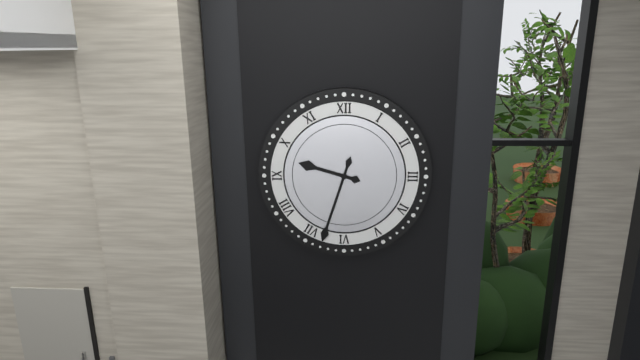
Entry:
h=9 m=33
